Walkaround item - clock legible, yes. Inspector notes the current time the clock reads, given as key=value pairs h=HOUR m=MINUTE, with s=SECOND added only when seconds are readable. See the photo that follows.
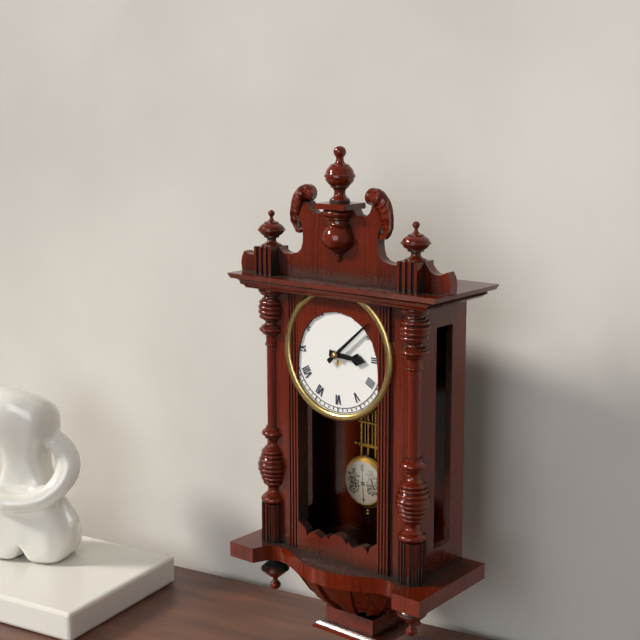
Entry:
h=3 m=8
